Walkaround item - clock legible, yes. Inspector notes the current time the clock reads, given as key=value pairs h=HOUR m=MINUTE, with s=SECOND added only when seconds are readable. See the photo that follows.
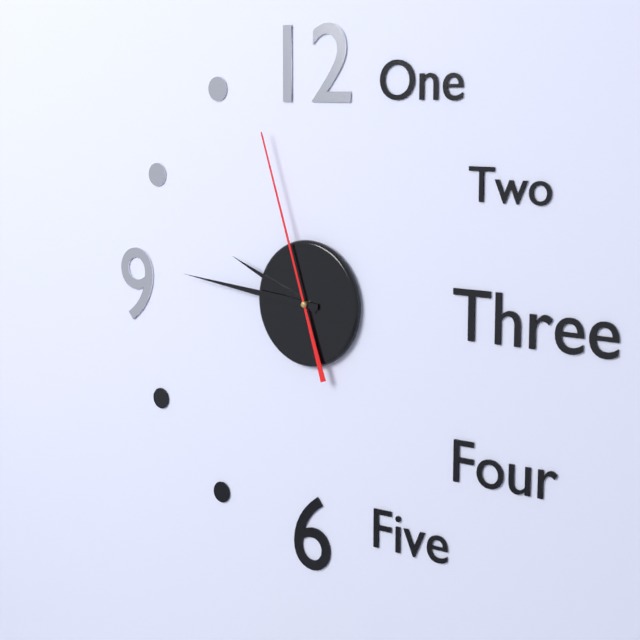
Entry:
h=9 m=46 s=57
